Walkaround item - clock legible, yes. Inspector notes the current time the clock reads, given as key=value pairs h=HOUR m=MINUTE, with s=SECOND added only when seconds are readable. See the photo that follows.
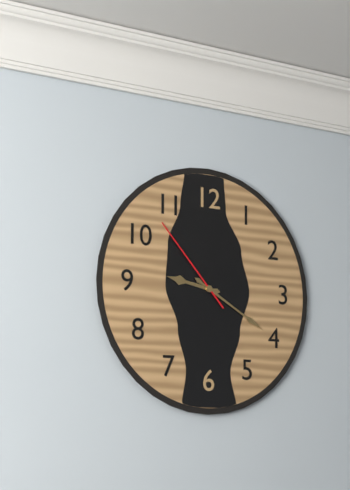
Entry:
h=9 m=20 s=53
